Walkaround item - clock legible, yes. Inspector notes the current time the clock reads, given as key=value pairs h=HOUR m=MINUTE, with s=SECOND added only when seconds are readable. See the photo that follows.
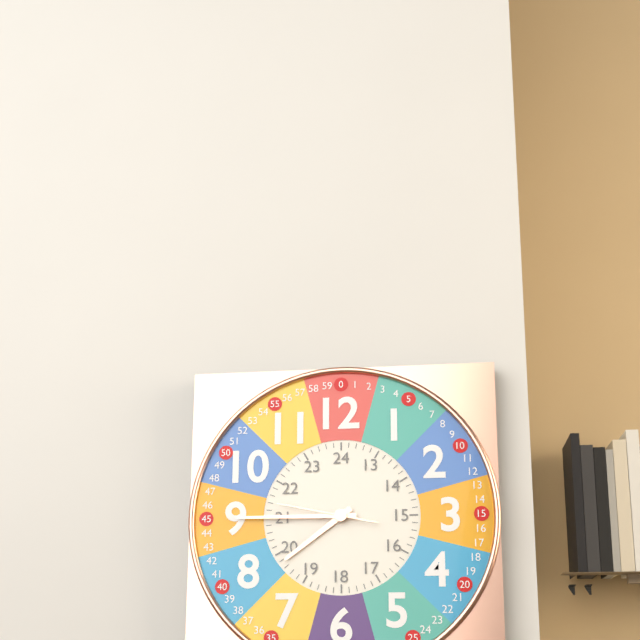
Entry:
h=7 m=45 s=47
